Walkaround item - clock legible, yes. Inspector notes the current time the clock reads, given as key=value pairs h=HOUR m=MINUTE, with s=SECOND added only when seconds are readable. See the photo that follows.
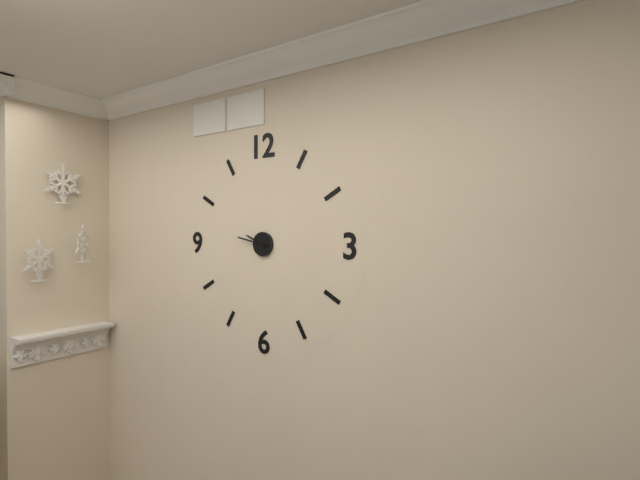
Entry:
h=9 m=47
